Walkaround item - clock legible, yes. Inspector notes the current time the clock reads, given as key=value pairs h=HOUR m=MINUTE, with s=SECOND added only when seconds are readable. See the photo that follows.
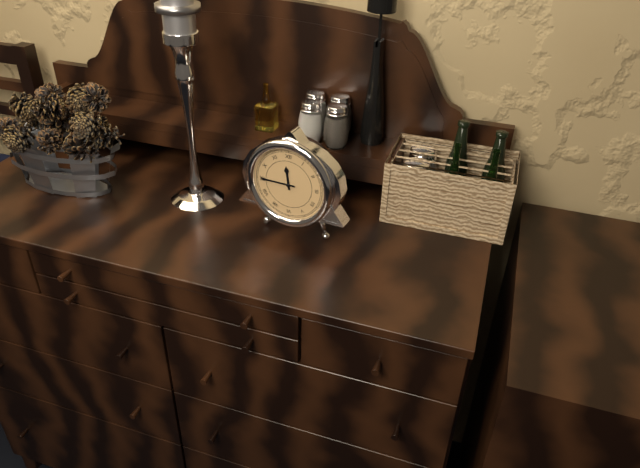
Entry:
h=11 m=45
